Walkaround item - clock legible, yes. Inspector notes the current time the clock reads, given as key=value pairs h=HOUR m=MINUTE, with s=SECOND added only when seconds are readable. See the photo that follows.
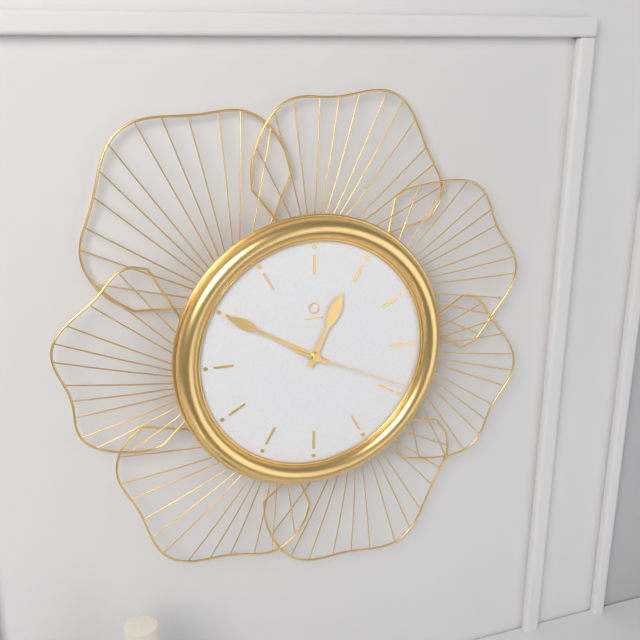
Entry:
h=12 m=50 s=19
